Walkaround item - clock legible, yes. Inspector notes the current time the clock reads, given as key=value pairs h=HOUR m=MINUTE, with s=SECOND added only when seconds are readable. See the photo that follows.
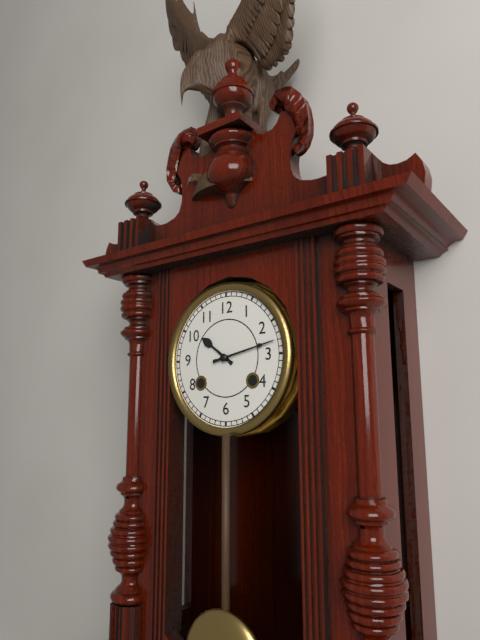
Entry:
h=10 m=13
